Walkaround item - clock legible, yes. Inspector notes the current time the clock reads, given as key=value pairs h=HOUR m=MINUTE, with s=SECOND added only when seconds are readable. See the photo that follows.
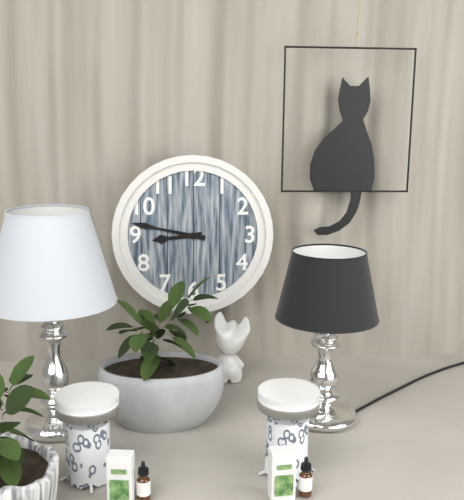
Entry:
h=8 m=47
